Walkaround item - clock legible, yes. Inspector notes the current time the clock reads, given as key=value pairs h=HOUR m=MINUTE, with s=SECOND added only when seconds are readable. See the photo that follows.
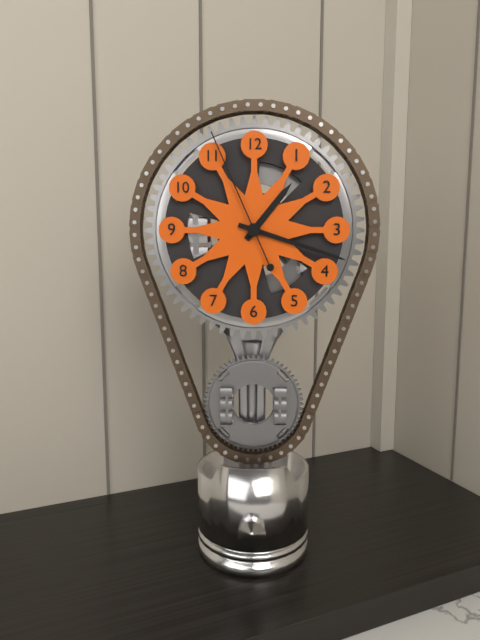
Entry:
h=1 m=18 s=56
